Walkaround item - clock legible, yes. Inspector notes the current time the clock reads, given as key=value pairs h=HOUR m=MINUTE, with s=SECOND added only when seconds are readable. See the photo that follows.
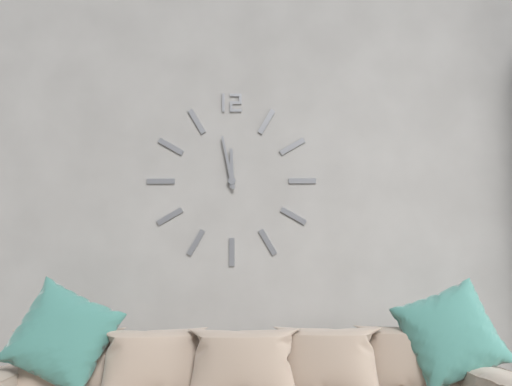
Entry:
h=11 m=58
